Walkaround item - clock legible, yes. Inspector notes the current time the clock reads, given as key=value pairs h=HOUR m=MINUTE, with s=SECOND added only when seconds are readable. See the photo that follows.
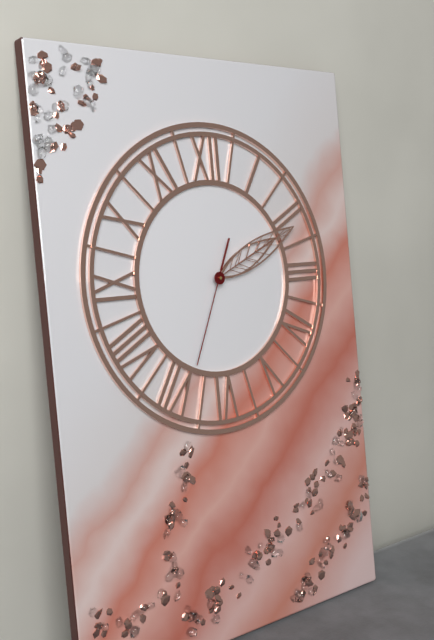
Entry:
h=2 m=11 s=34
